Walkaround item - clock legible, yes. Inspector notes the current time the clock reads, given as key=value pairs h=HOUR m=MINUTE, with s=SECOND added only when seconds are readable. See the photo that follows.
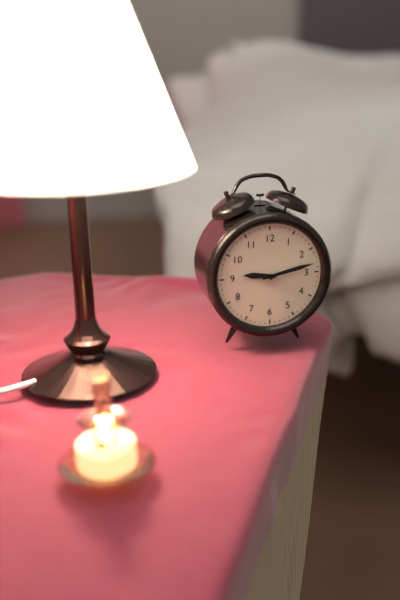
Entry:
h=9 m=13
